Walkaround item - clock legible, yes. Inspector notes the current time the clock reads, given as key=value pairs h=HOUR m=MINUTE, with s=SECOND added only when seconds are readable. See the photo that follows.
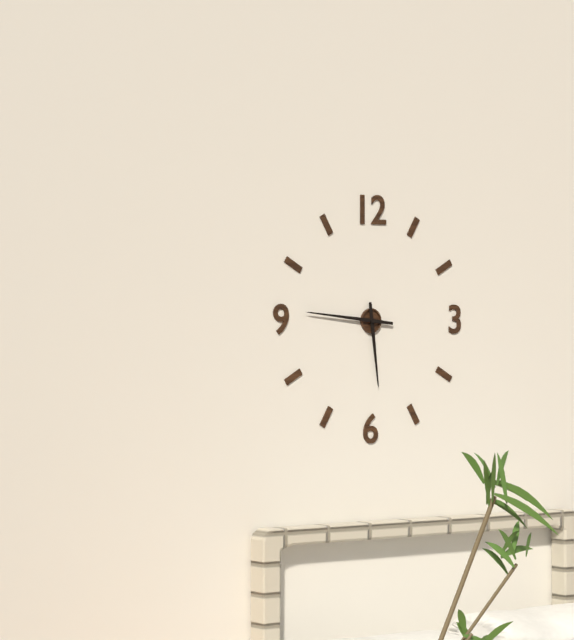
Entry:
h=5 m=46
